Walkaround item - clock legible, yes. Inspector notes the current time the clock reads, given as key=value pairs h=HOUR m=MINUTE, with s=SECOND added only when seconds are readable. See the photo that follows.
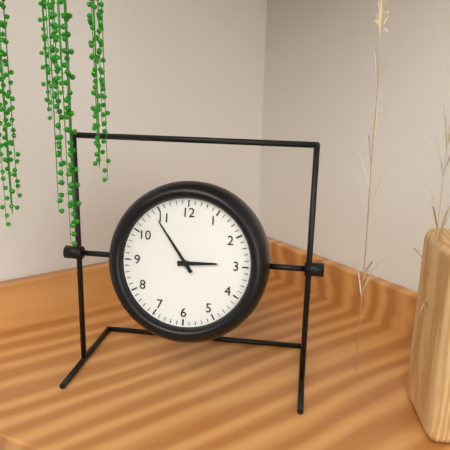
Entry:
h=2 m=54
